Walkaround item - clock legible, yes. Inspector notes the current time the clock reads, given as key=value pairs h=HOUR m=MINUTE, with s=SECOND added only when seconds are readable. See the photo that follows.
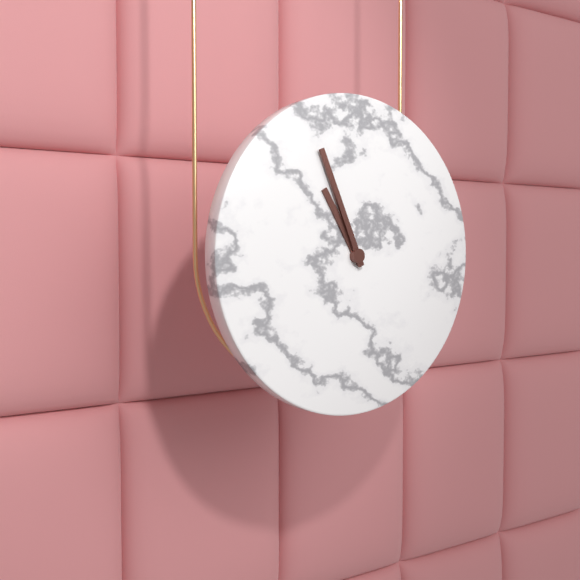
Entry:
h=10 m=56
